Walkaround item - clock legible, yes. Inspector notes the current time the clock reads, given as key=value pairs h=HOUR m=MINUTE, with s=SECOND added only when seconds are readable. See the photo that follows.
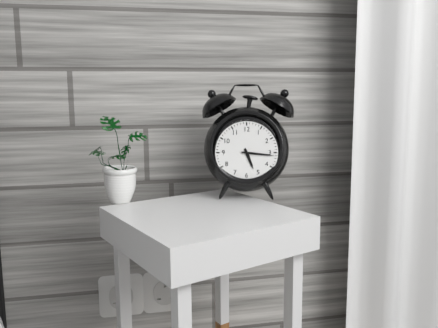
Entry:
h=5 m=16
